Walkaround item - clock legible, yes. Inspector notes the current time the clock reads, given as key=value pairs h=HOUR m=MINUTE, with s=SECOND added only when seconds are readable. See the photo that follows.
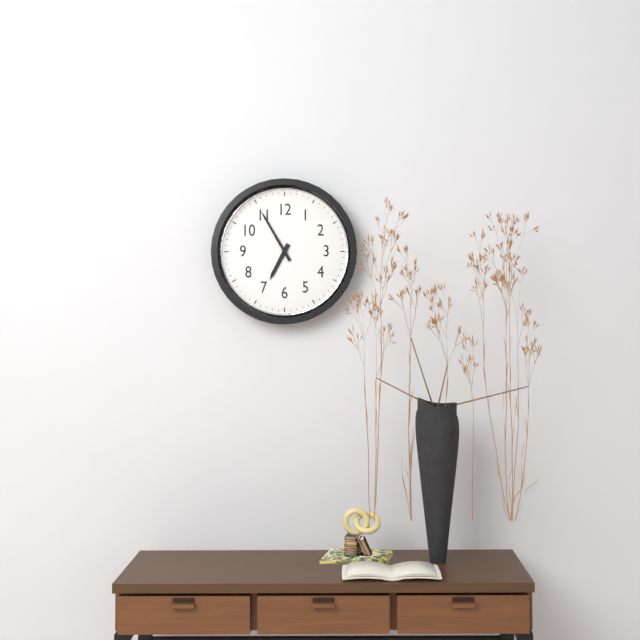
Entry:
h=6 m=55
